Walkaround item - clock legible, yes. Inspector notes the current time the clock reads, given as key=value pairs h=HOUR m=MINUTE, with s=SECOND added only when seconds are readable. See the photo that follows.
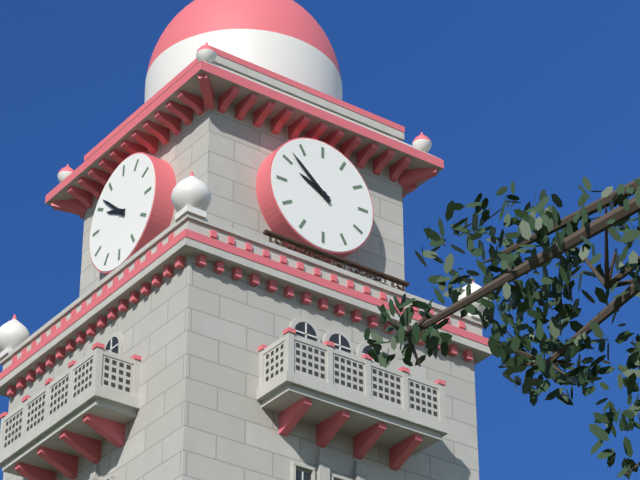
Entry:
h=9 m=52
